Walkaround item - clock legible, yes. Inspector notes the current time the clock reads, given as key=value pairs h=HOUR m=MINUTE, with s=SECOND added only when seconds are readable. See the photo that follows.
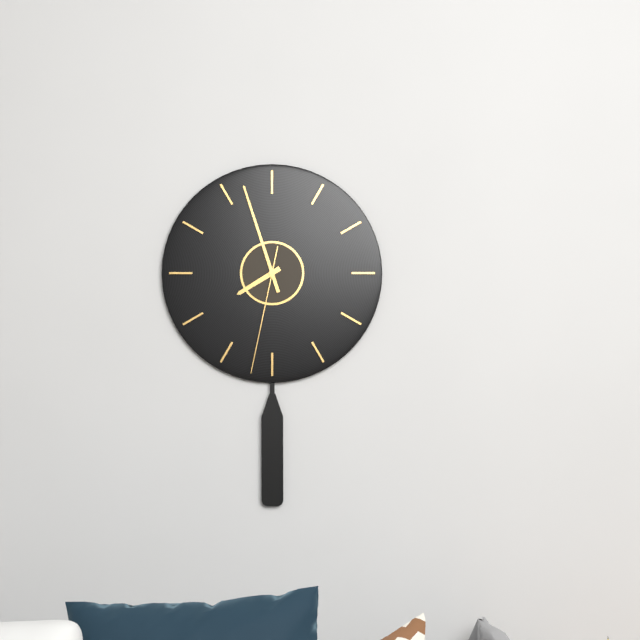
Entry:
h=7 m=57 s=32
